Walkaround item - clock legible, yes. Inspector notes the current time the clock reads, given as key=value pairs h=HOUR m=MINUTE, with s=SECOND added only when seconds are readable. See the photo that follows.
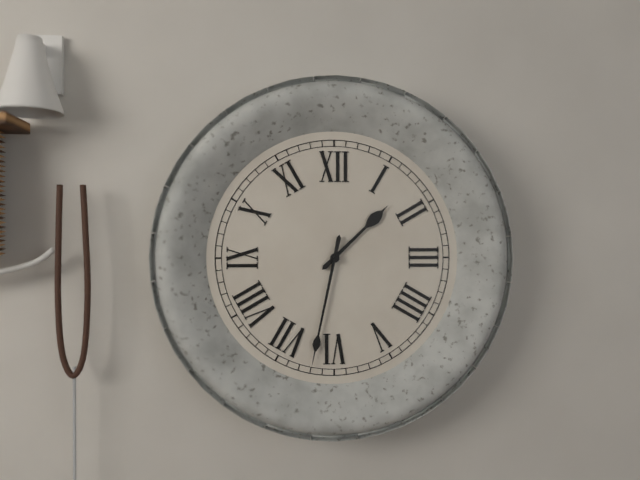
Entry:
h=1 m=32
